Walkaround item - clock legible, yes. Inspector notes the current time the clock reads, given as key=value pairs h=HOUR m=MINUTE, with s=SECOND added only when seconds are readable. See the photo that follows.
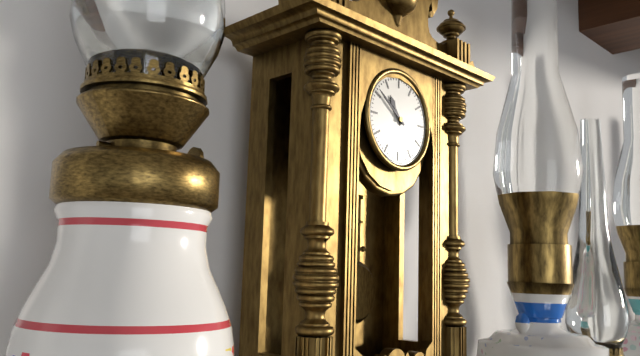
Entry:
h=10 m=51
